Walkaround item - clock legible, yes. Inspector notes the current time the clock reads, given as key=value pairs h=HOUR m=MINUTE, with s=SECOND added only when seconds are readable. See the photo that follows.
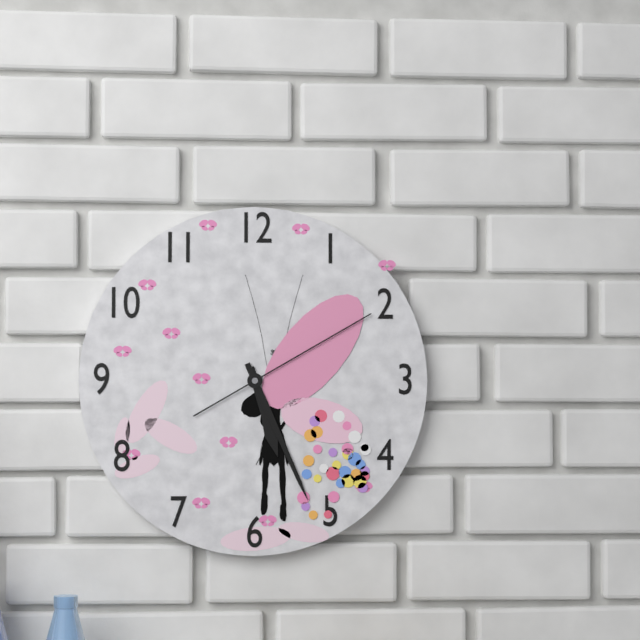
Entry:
h=5 m=26 s=10
